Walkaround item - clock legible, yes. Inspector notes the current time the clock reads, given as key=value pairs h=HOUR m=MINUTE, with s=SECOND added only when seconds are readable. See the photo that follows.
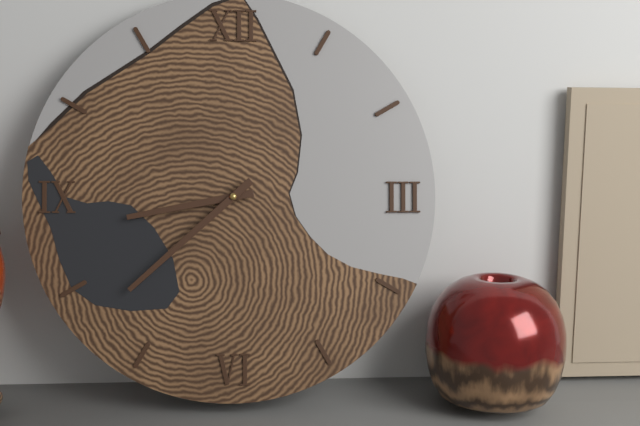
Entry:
h=8 m=38
